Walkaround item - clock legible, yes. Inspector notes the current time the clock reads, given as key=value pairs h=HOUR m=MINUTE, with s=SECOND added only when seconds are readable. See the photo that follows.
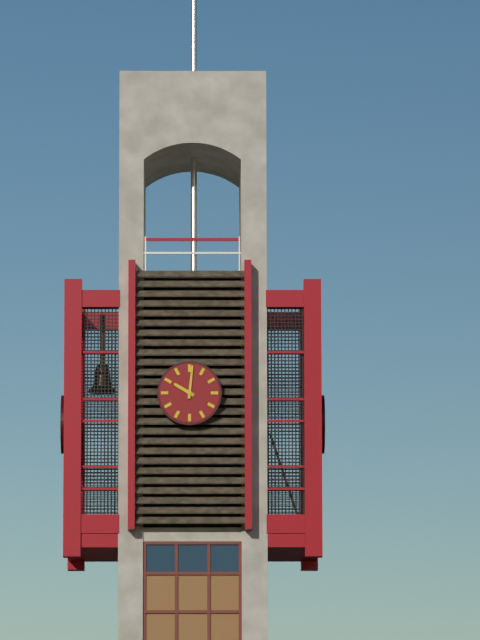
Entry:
h=10 m=1
